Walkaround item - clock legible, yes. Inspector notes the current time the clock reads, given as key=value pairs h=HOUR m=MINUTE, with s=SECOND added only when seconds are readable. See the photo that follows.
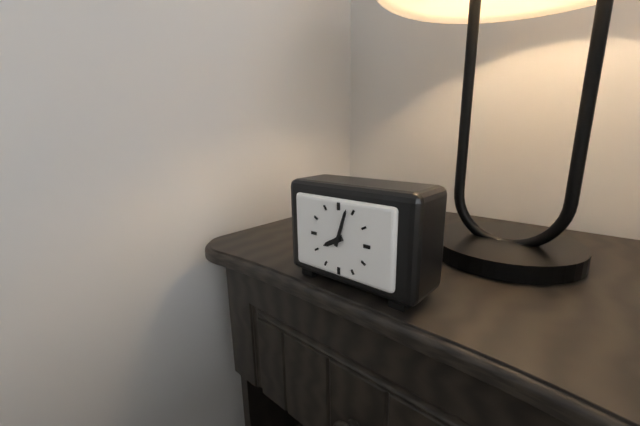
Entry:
h=8 m=3
